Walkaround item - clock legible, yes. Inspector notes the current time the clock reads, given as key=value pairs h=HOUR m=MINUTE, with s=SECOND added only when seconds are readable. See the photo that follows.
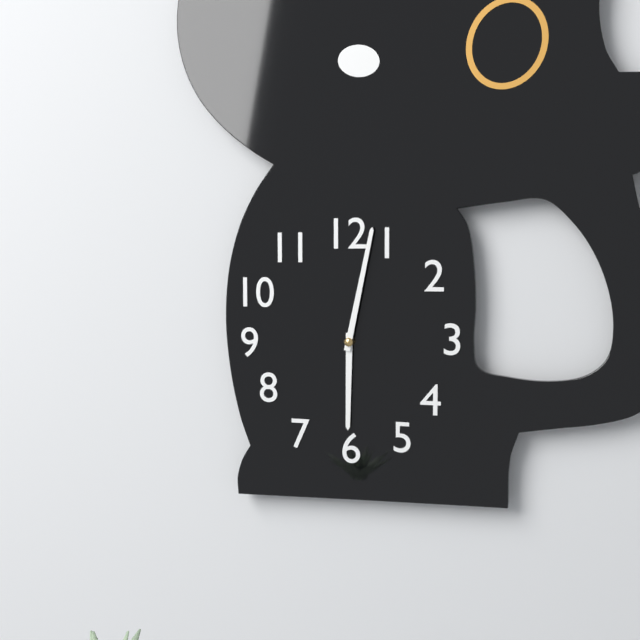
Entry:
h=6 m=2
